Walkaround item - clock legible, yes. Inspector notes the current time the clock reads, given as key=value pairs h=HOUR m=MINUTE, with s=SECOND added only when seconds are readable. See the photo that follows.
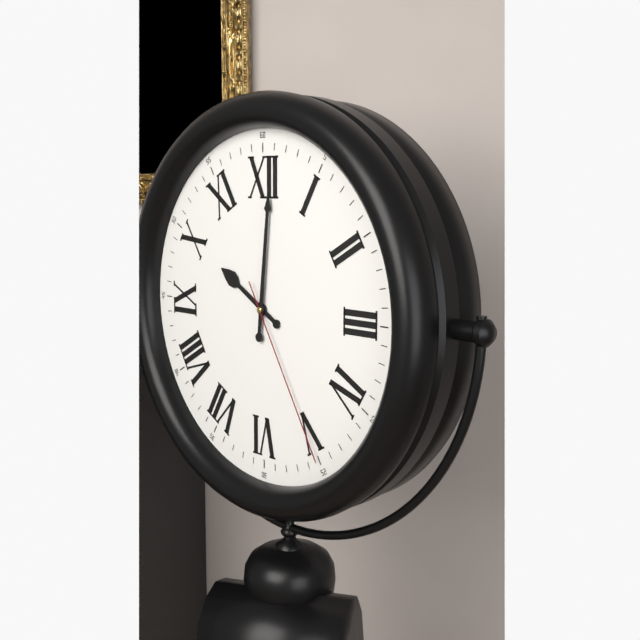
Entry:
h=10 m=1 s=25
